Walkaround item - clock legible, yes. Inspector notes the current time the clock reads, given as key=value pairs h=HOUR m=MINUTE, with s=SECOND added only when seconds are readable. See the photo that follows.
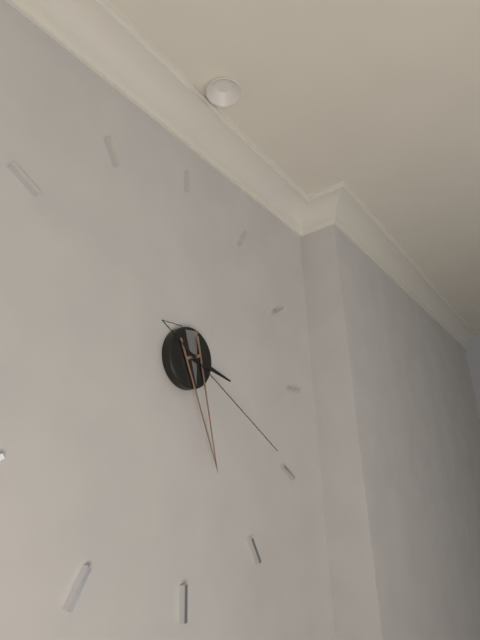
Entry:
h=3 m=27 s=20
